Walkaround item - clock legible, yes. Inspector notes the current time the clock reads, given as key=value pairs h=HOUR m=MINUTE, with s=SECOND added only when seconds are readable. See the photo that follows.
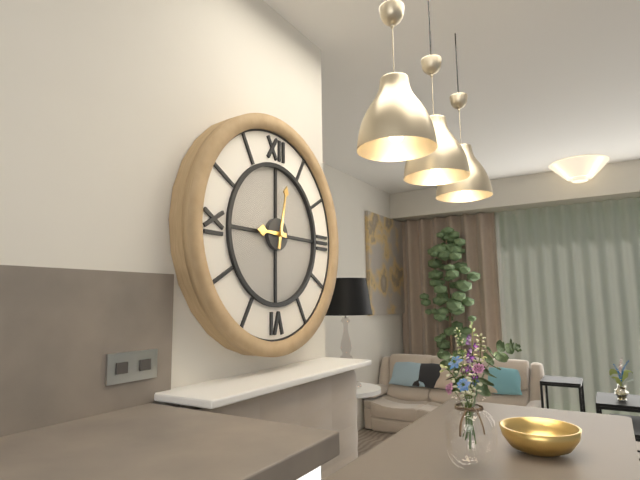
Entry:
h=9 m=2
